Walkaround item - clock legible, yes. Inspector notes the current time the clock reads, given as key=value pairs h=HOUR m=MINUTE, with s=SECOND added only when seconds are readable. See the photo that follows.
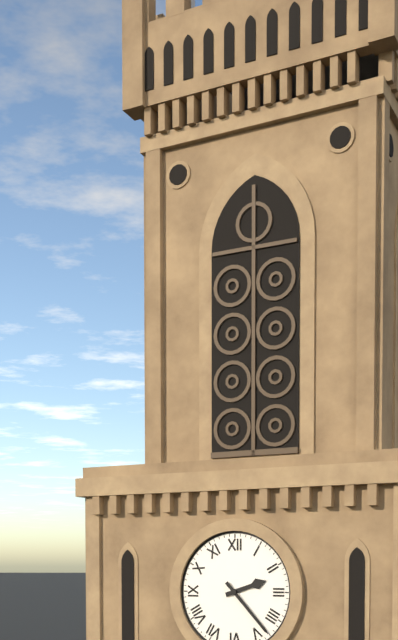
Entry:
h=2 m=23
